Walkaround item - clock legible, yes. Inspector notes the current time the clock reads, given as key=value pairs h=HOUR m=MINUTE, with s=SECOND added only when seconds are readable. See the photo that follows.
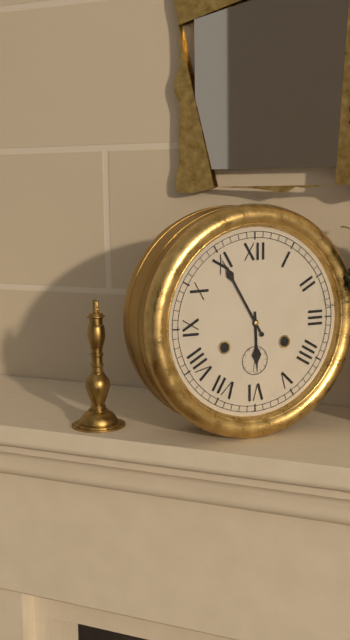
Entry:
h=5 m=55
